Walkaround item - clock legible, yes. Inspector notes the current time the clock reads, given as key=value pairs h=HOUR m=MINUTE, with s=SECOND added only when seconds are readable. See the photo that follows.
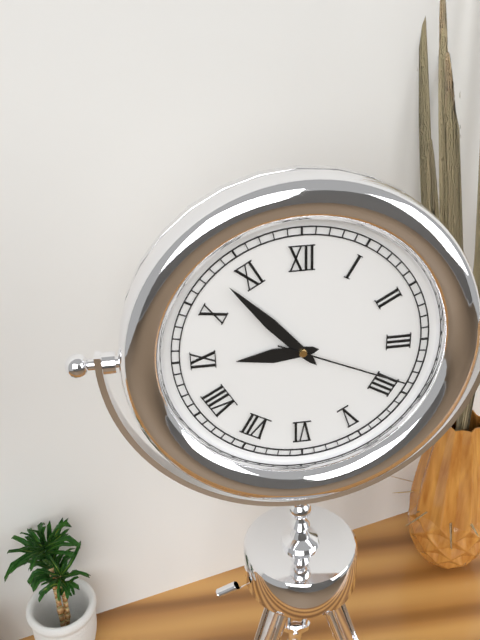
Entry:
h=8 m=53 s=19
